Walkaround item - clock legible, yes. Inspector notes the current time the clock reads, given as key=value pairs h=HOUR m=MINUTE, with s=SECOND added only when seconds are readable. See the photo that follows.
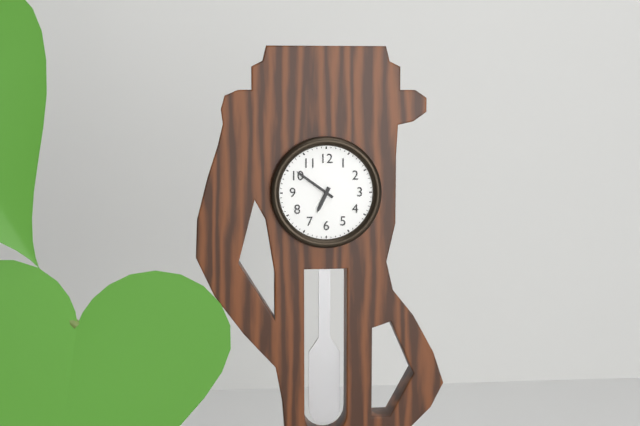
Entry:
h=6 m=51
